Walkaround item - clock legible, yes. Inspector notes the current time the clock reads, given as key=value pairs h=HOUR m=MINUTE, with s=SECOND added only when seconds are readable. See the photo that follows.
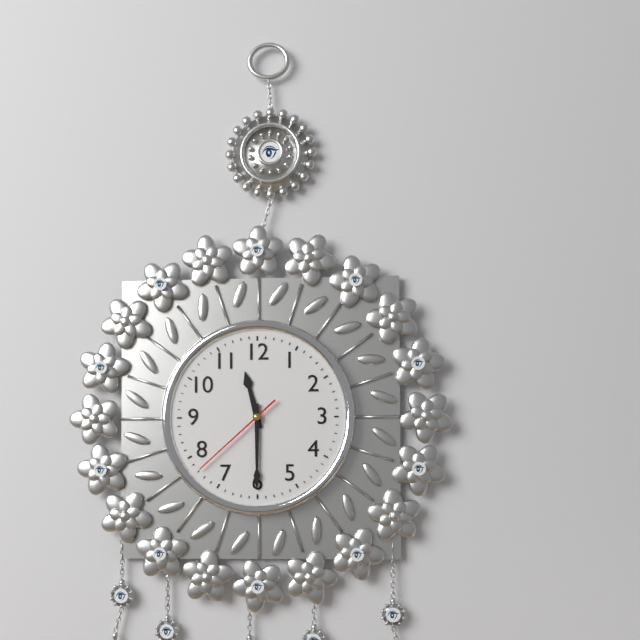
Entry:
h=11 m=30 s=38
